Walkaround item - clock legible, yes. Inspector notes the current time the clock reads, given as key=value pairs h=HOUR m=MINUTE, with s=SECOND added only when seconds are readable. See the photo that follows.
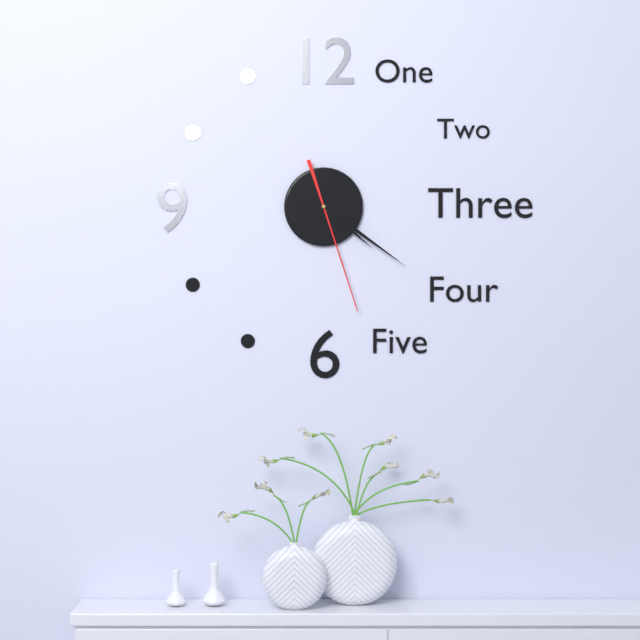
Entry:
h=4 m=21 s=27
